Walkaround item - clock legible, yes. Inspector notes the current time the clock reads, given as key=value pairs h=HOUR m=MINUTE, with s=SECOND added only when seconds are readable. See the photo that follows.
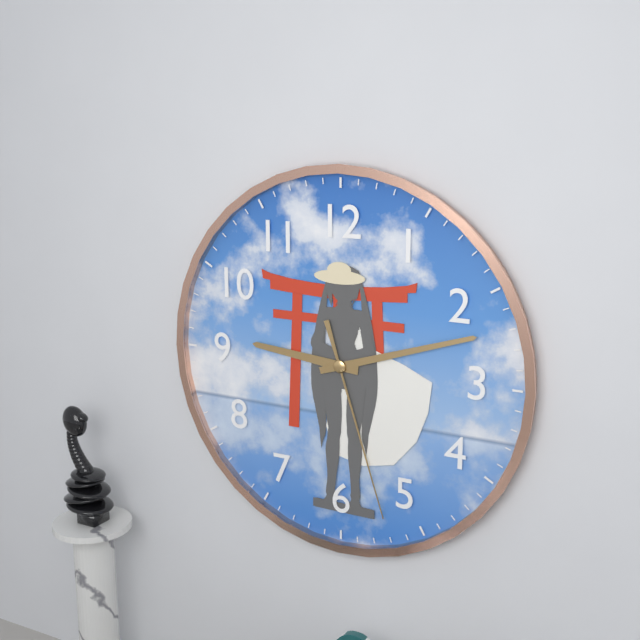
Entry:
h=9 m=12 s=27
